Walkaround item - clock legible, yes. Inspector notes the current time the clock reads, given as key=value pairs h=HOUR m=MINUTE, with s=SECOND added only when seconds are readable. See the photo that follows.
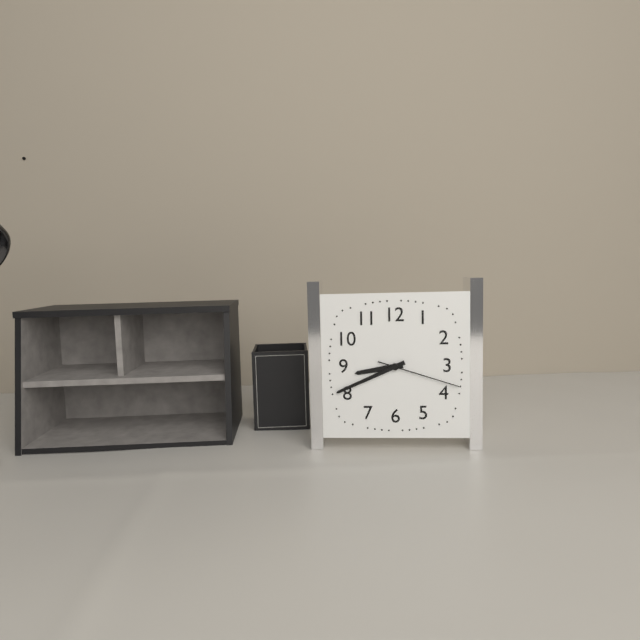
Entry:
h=8 m=41 s=18
